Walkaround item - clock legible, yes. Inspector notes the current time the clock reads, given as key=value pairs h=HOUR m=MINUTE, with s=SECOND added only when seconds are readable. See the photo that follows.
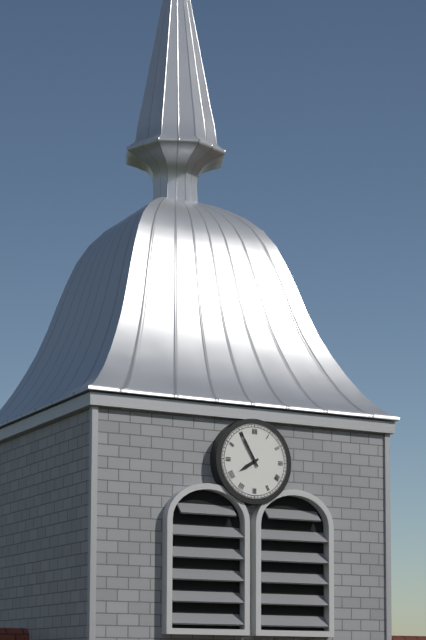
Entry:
h=7 m=55
